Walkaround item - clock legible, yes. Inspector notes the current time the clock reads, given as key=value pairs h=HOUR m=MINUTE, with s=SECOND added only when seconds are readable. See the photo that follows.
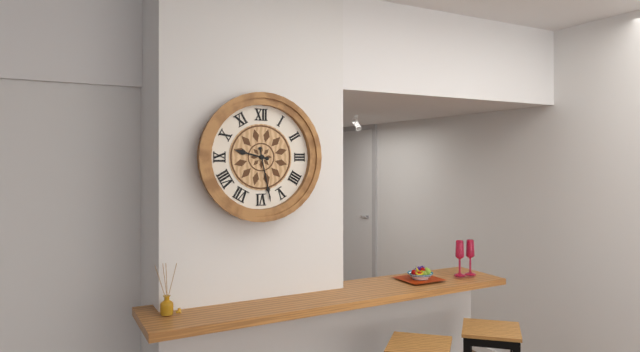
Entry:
h=9 m=28
